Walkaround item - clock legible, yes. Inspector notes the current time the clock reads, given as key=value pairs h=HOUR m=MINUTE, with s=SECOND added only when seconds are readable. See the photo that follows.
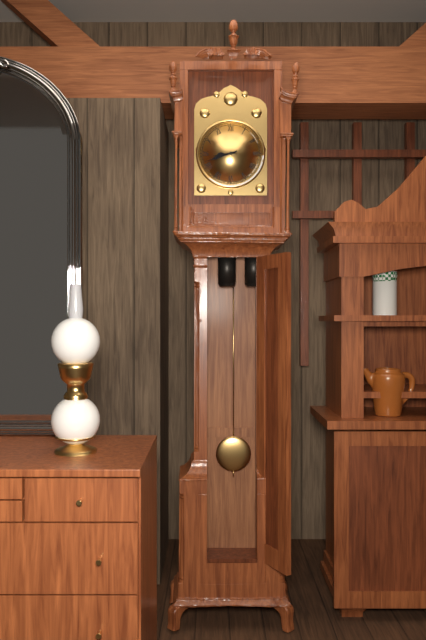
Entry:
h=8 m=42
